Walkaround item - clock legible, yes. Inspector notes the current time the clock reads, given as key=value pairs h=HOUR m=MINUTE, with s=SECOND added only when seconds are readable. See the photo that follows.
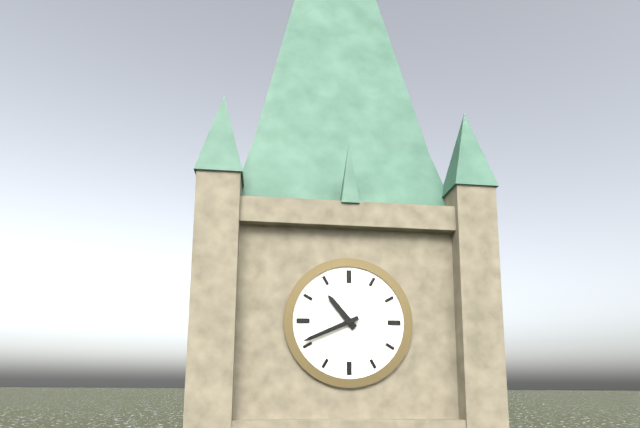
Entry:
h=10 m=41
